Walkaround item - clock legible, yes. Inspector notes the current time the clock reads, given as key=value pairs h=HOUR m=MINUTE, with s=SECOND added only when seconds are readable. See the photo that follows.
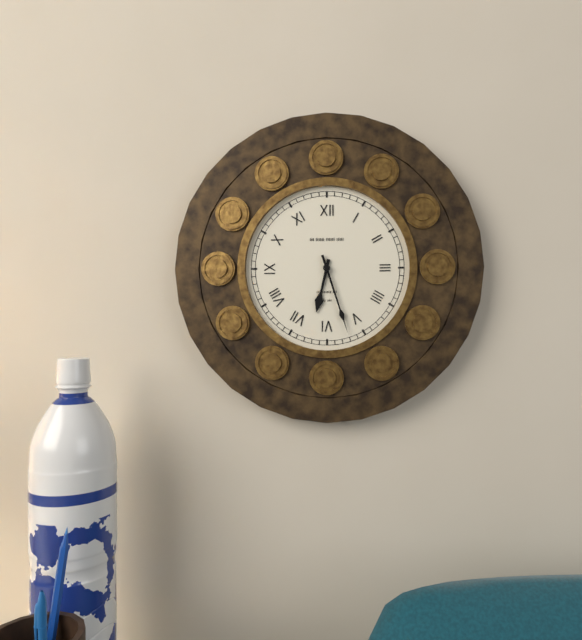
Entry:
h=6 m=27
